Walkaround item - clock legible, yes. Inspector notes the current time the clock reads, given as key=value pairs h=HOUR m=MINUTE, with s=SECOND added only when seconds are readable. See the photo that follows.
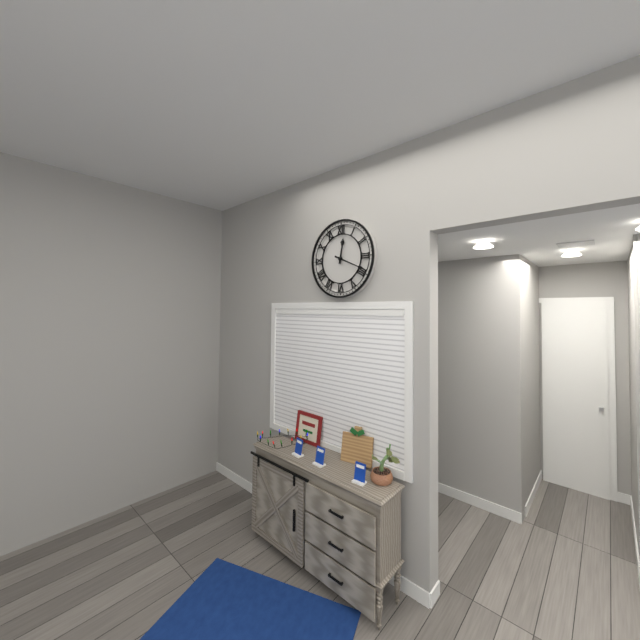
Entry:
h=12 m=19
